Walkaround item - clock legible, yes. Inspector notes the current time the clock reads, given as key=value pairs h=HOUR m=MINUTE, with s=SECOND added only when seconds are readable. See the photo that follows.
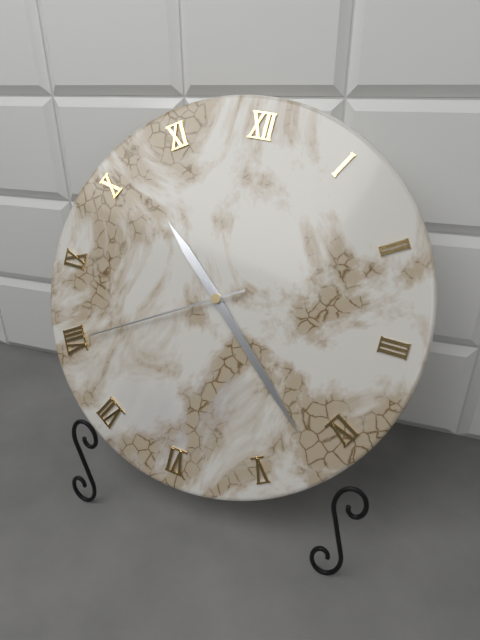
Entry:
h=10 m=22 s=40
